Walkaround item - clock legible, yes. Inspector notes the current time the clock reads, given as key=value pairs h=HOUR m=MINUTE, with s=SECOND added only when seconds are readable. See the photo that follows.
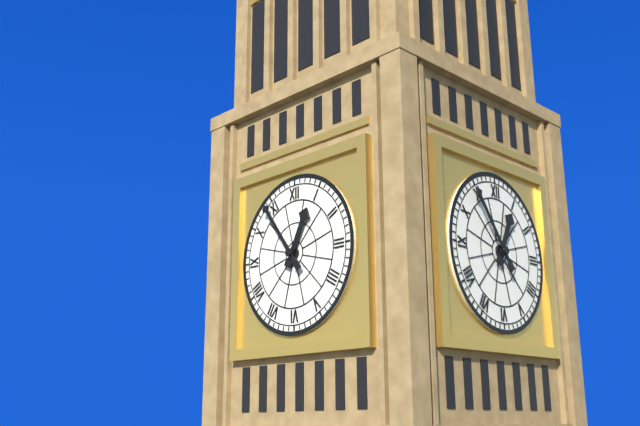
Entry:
h=12 m=54
